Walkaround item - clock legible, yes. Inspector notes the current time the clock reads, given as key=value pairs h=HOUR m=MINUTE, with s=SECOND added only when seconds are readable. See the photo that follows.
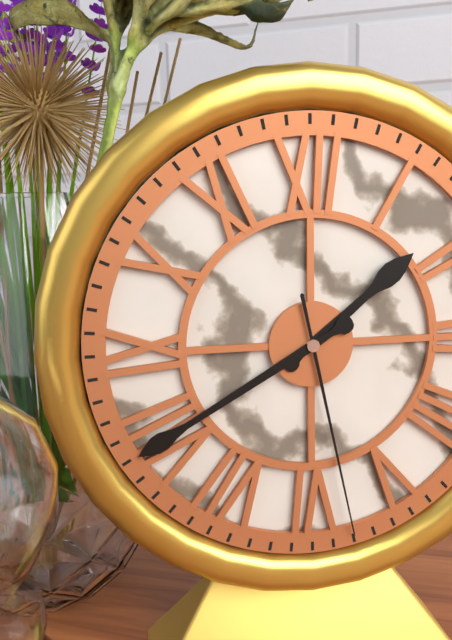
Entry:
h=1 m=40 s=28
